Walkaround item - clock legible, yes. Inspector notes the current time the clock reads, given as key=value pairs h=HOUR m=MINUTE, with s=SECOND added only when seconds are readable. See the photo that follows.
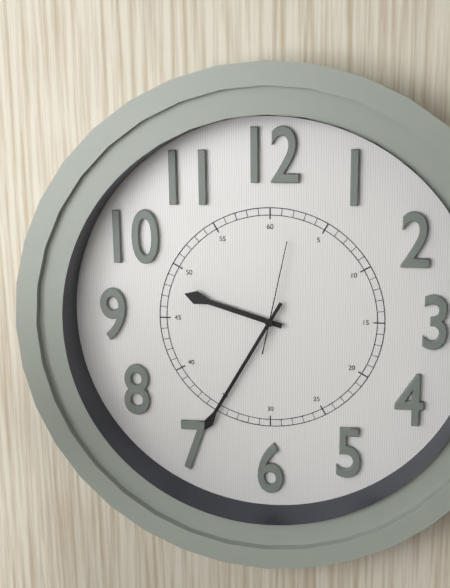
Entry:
h=9 m=35 s=2
